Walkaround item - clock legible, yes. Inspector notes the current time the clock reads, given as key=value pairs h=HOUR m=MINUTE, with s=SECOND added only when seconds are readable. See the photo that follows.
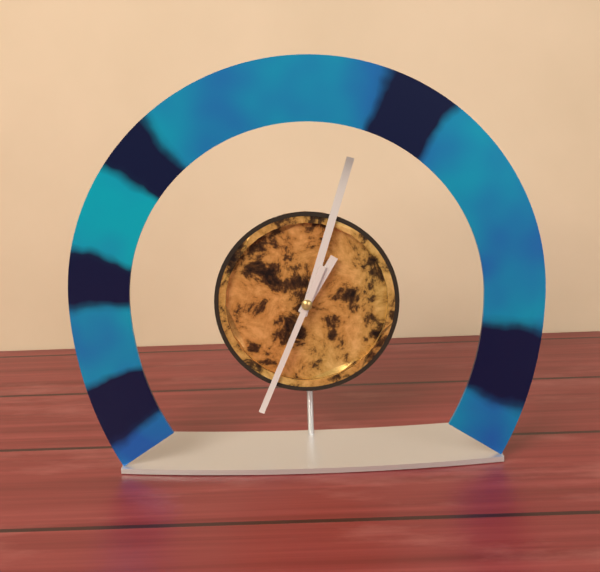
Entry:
h=1 m=3 s=34
